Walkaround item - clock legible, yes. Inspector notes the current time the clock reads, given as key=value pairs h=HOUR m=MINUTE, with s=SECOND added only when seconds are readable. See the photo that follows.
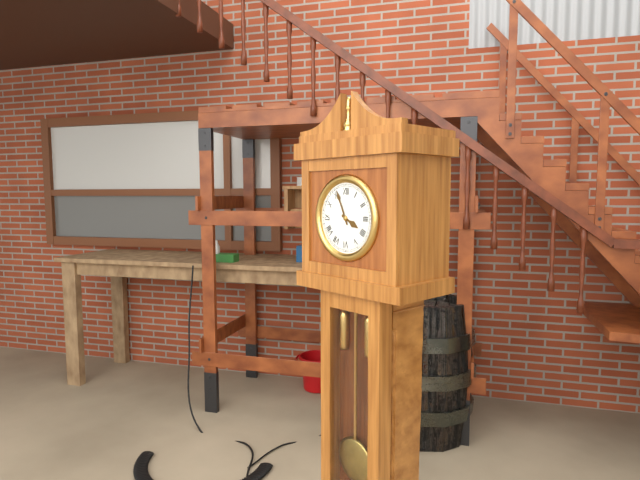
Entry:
h=3 m=56
